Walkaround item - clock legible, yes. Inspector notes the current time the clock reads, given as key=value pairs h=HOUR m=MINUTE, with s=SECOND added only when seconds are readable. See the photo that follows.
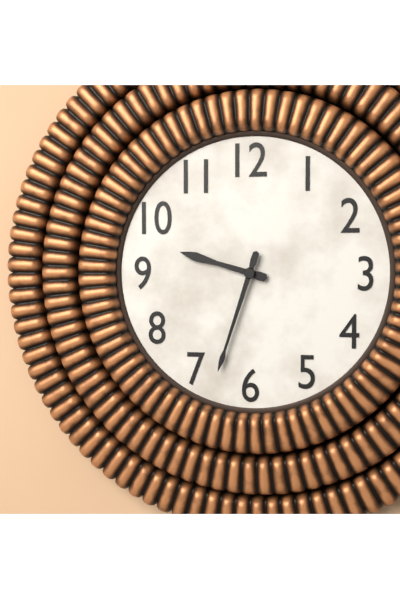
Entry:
h=9 m=33
